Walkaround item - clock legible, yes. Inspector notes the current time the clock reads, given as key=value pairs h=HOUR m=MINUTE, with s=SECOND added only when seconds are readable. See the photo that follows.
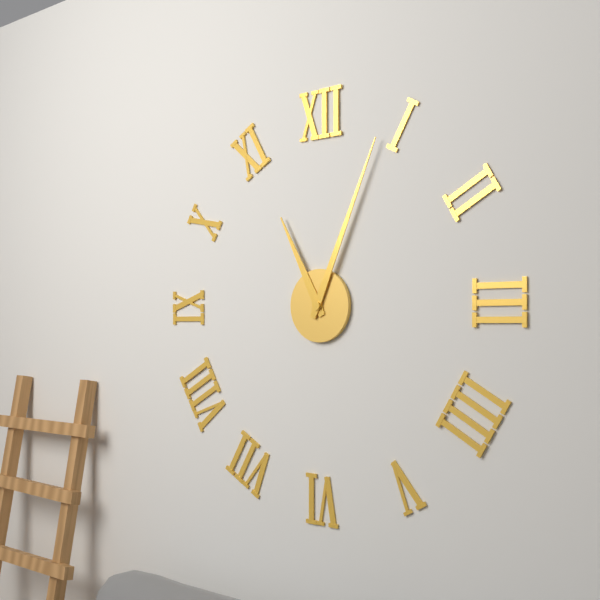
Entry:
h=11 m=4
